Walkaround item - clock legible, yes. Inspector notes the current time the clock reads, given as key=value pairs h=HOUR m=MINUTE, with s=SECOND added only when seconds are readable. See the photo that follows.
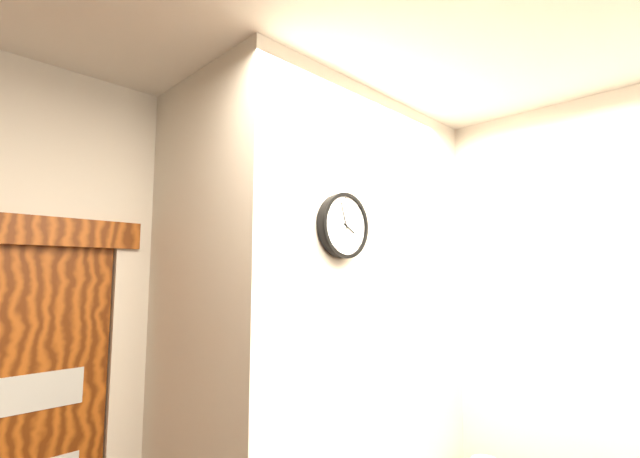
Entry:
h=3 m=57
